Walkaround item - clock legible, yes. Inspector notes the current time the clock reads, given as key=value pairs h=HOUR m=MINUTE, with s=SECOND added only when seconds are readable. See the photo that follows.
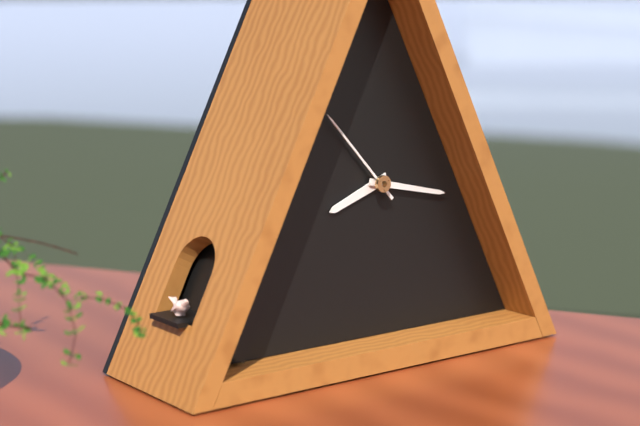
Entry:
h=8 m=17 s=53
